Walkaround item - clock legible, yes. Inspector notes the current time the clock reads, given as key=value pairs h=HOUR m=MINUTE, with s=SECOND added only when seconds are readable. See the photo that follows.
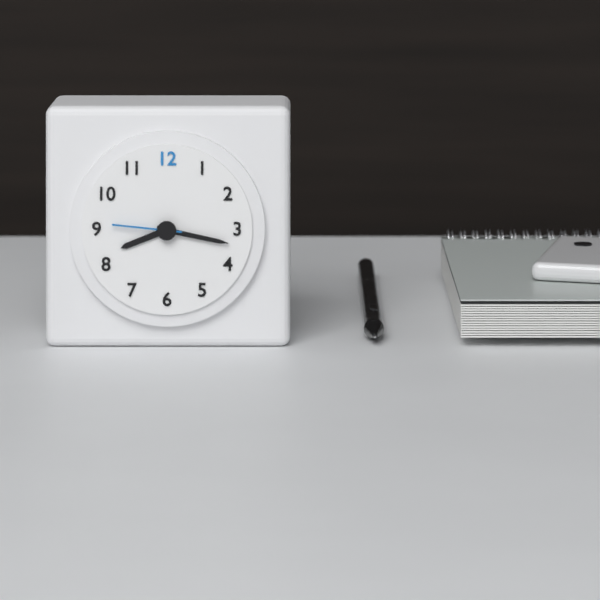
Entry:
h=8 m=17 s=46
